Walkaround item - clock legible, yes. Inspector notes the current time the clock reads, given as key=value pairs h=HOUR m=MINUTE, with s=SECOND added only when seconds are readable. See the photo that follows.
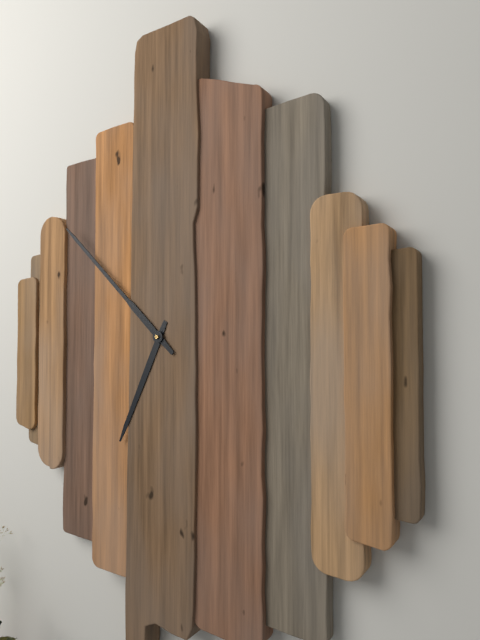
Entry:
h=6 m=52
